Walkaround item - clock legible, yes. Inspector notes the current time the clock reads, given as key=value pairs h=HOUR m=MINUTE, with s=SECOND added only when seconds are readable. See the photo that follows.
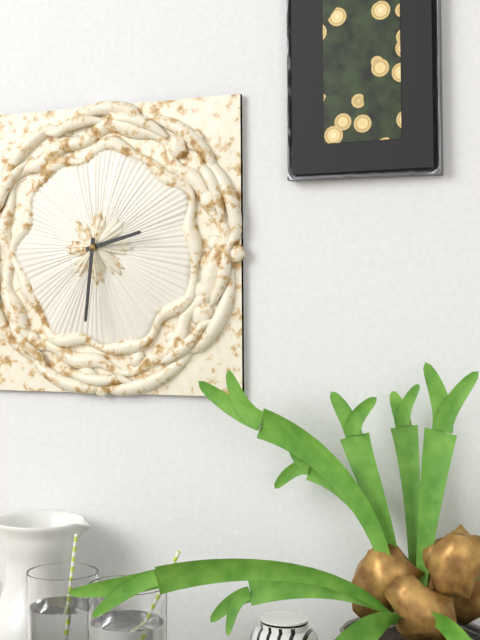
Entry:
h=2 m=31
